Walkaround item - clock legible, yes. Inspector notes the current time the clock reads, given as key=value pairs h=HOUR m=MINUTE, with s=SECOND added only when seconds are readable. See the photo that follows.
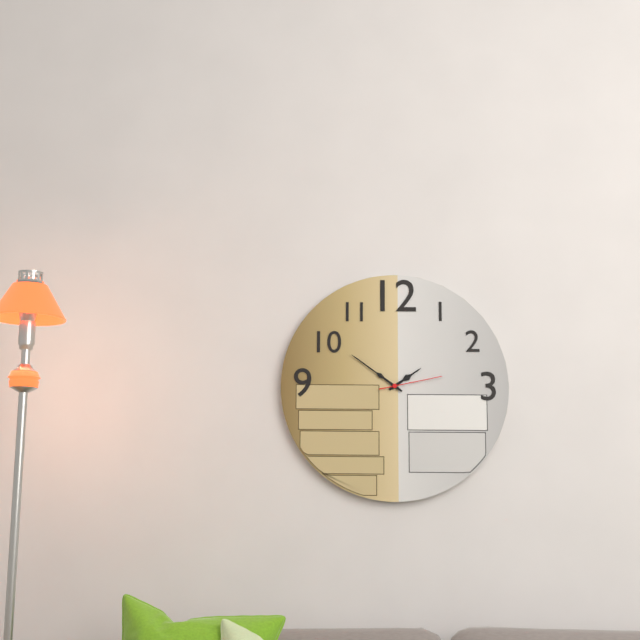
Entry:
h=1 m=51 s=13
